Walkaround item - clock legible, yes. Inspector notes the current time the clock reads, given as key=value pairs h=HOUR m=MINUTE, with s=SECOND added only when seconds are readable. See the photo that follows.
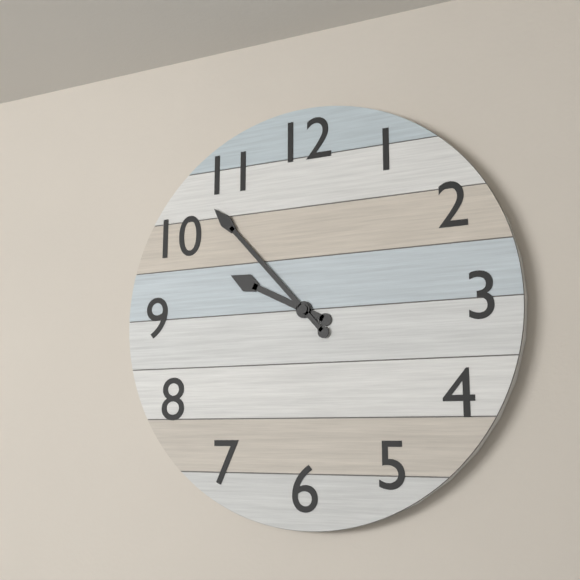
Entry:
h=9 m=53
